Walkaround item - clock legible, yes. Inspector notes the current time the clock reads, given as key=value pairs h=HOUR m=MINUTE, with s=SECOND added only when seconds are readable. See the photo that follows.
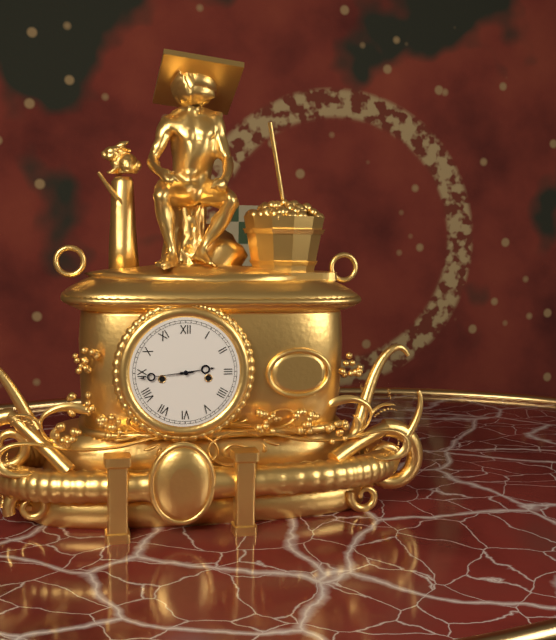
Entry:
h=2 m=44
